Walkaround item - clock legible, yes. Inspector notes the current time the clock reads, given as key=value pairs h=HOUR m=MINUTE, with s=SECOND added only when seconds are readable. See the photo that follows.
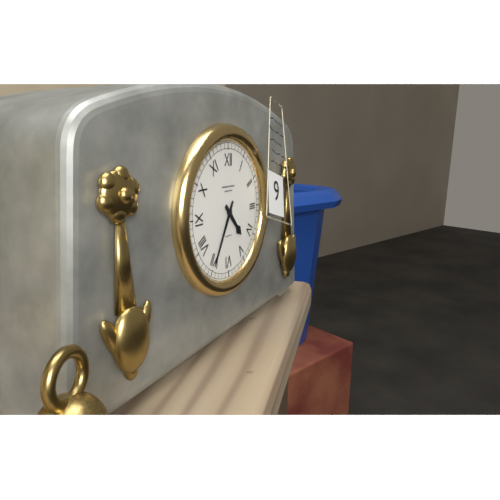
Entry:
h=4 m=35
